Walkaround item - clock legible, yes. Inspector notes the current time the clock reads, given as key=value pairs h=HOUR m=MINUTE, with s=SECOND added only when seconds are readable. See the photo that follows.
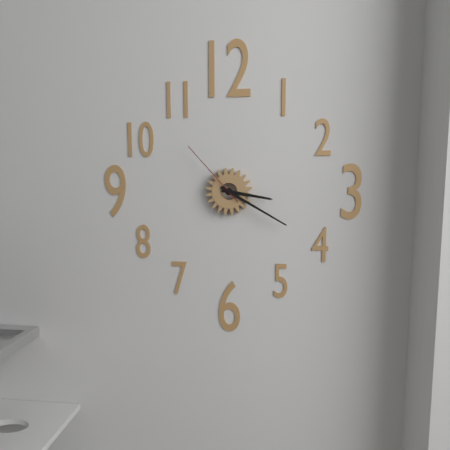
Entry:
h=3 m=20 s=53
